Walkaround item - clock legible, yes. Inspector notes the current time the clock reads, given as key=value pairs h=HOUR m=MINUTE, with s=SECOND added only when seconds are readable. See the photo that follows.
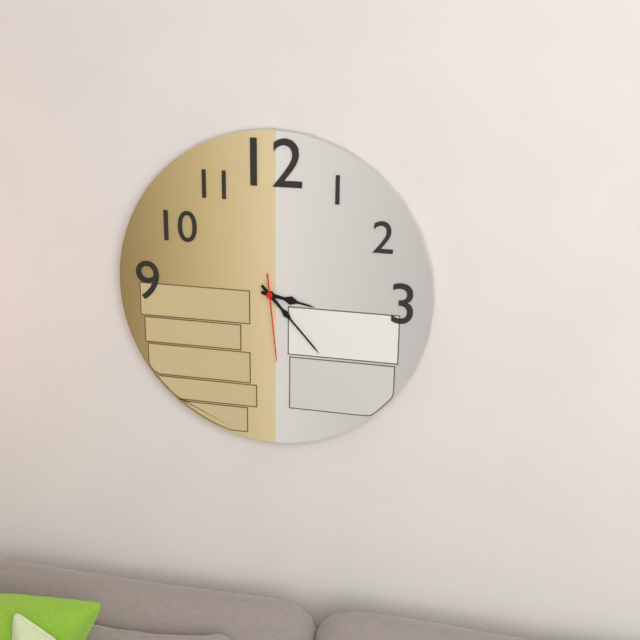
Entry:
h=3 m=23 s=29
